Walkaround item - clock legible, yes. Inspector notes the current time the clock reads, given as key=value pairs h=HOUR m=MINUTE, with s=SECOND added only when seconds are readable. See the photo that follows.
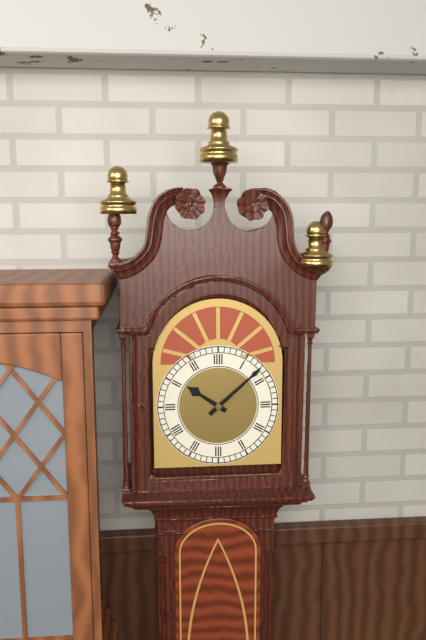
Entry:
h=10 m=8
